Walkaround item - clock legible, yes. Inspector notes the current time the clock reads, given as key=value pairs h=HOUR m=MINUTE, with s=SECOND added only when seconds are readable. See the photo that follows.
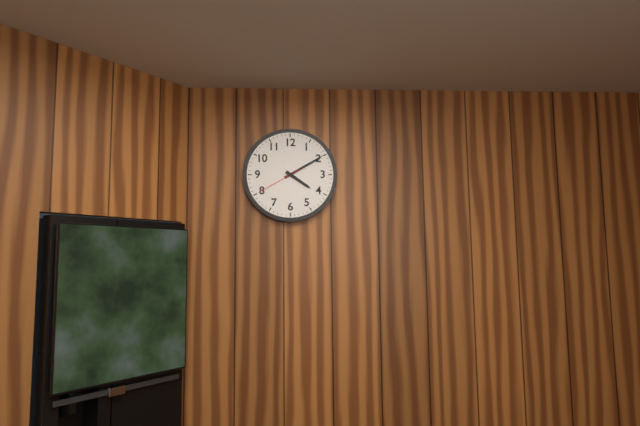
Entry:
h=4 m=10
